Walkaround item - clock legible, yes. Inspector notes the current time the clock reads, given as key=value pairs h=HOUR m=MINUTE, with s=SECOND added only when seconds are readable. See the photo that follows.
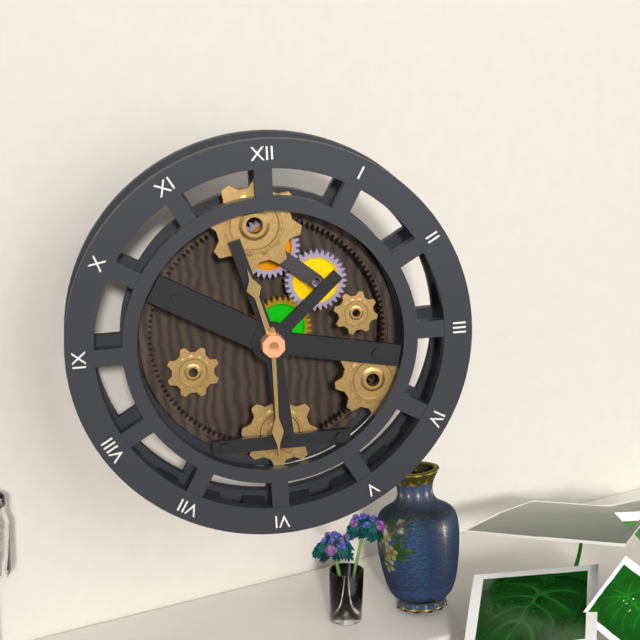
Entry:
h=11 m=30
